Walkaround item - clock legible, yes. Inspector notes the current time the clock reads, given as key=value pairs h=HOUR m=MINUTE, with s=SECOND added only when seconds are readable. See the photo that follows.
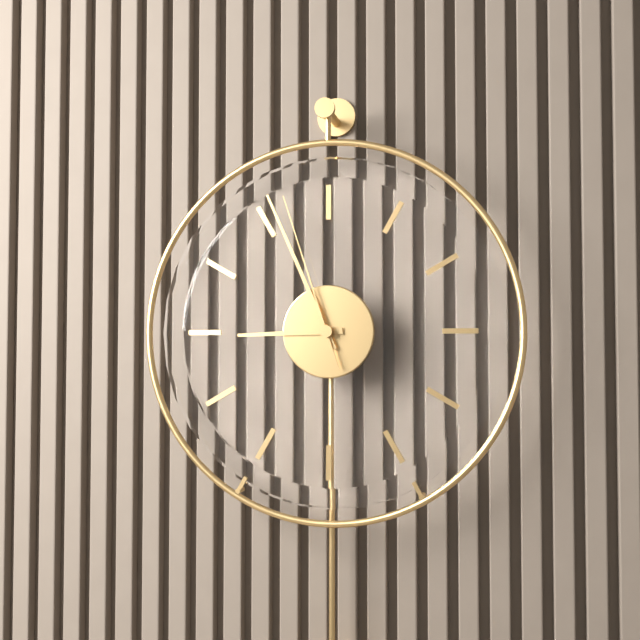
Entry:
h=8 m=56 s=57
